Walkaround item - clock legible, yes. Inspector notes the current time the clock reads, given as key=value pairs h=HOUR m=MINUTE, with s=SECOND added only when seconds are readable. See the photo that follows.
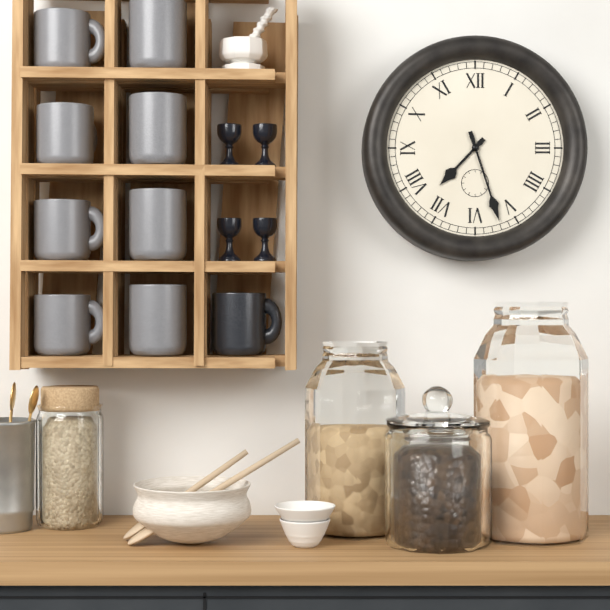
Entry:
h=7 m=27
